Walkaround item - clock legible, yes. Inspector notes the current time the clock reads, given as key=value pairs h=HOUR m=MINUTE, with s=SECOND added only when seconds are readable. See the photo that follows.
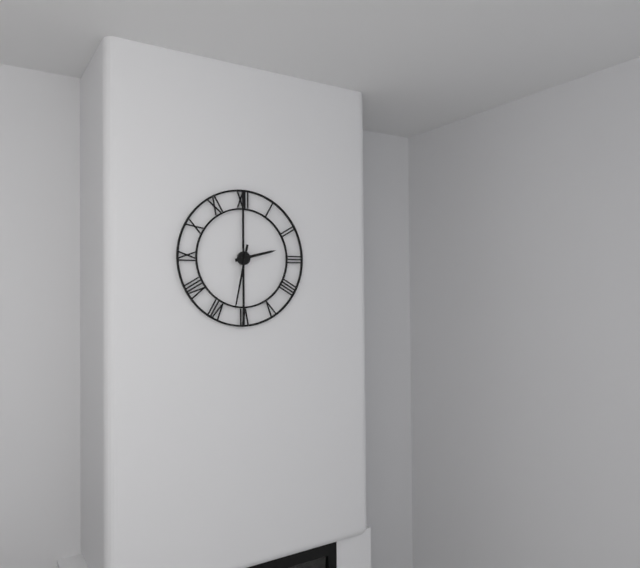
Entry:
h=2 m=32
